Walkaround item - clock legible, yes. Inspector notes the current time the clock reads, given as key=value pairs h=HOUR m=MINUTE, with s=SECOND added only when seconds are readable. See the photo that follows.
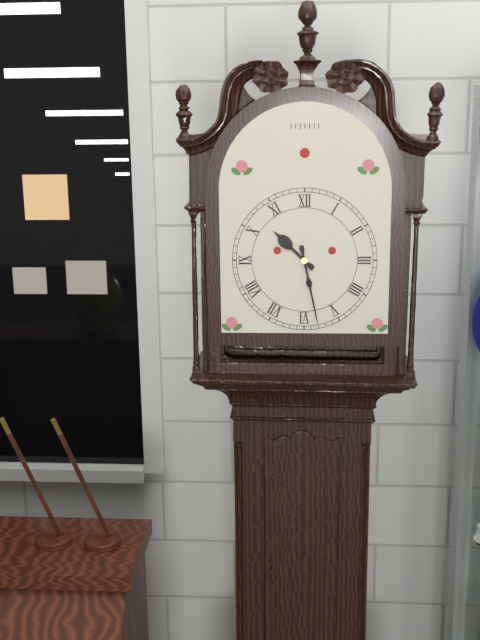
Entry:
h=10 m=28
